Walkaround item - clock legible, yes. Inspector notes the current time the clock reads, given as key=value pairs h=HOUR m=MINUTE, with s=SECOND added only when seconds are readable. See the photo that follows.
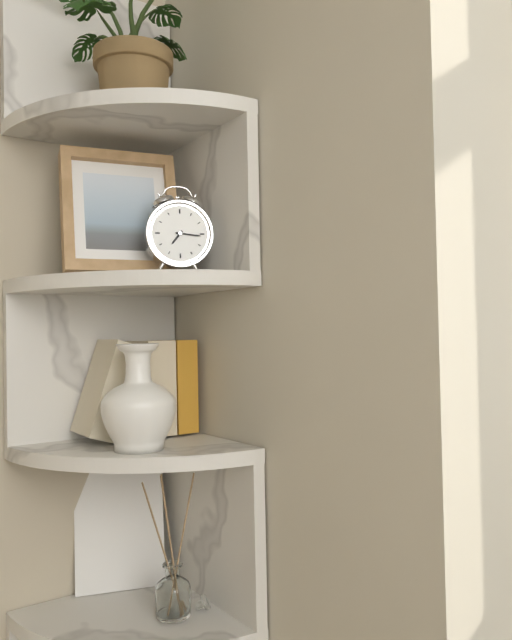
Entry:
h=7 m=16
